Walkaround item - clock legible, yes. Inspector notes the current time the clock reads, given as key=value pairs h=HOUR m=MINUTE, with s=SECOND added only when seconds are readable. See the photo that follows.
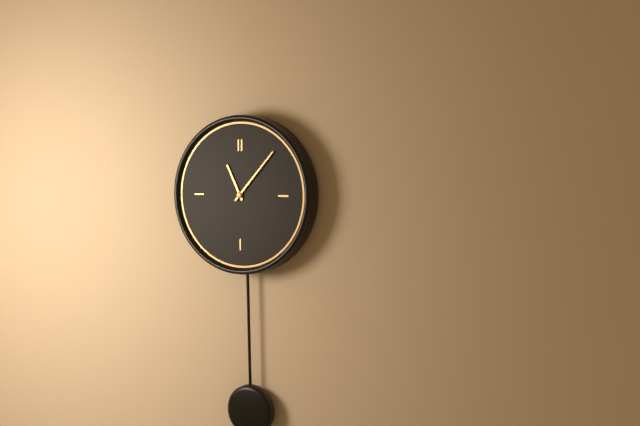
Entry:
h=11 m=7
